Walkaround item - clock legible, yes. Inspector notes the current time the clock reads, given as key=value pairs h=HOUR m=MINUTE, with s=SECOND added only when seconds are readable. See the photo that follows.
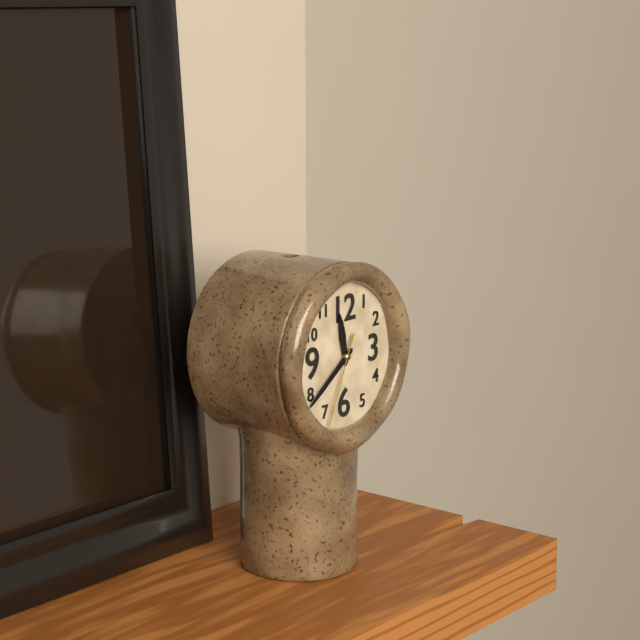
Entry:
h=11 m=39 s=34
